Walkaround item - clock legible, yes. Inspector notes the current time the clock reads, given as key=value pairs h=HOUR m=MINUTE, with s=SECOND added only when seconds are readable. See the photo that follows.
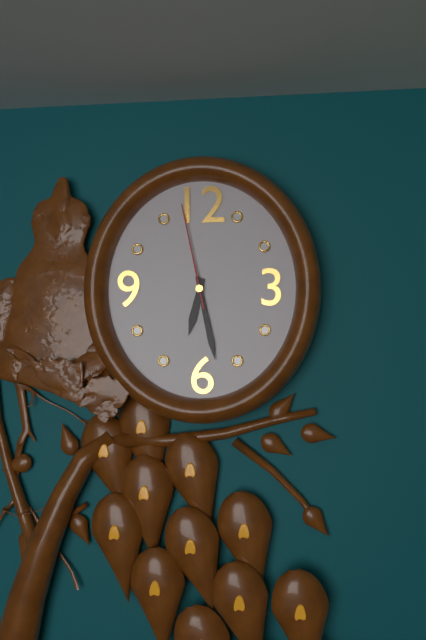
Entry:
h=6 m=28 s=58
